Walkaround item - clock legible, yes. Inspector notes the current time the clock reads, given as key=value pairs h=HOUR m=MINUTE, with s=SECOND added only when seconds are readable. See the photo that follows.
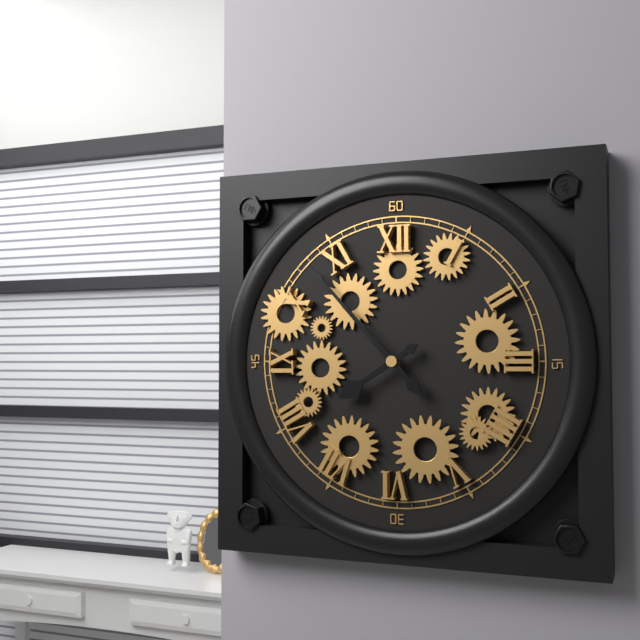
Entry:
h=7 m=53
